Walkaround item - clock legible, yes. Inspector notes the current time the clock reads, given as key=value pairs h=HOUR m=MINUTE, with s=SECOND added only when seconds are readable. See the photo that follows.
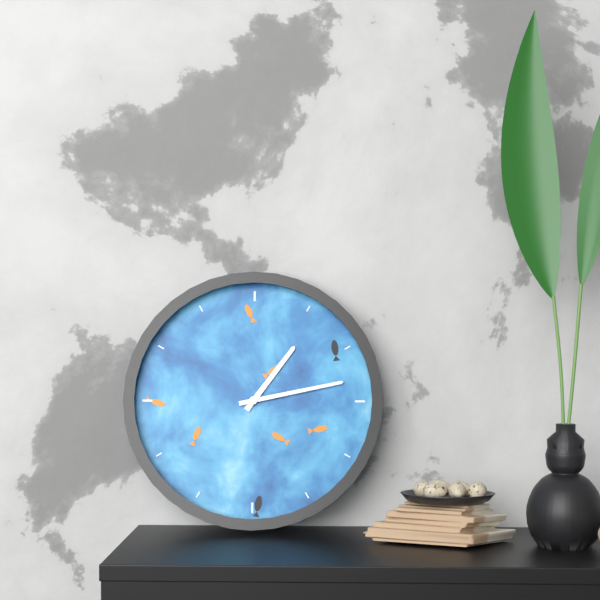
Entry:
h=1 m=13
